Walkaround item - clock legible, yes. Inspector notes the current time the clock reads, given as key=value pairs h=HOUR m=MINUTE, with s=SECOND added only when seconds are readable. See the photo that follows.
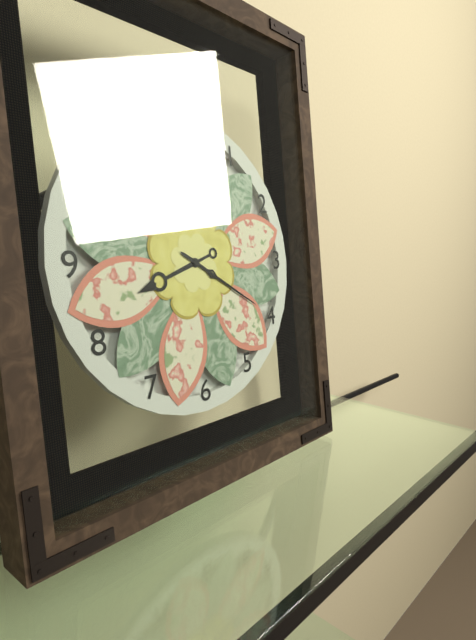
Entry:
h=8 m=20
